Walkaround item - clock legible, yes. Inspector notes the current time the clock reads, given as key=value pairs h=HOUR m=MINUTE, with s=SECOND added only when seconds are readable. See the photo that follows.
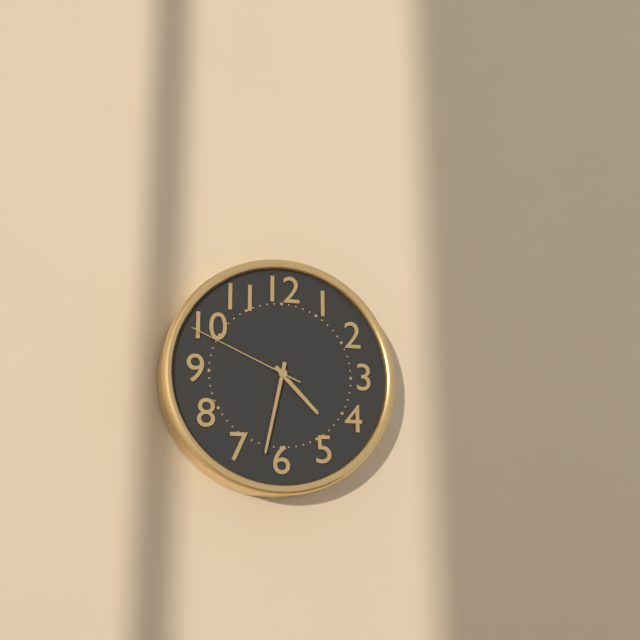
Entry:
h=4 m=32 s=49
